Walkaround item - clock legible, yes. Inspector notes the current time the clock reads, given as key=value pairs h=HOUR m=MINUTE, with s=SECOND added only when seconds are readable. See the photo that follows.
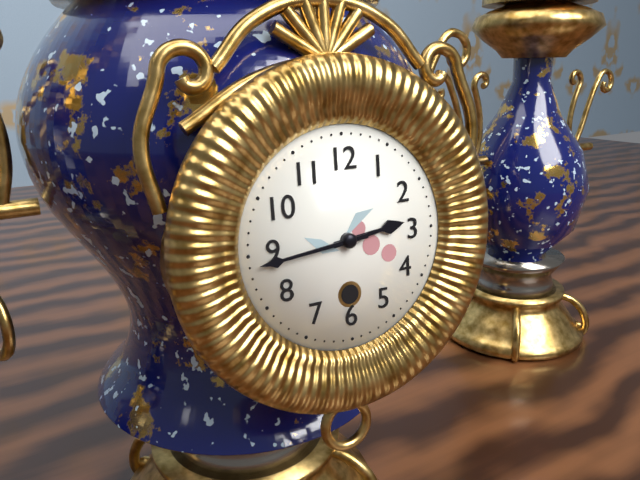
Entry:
h=2 m=44
